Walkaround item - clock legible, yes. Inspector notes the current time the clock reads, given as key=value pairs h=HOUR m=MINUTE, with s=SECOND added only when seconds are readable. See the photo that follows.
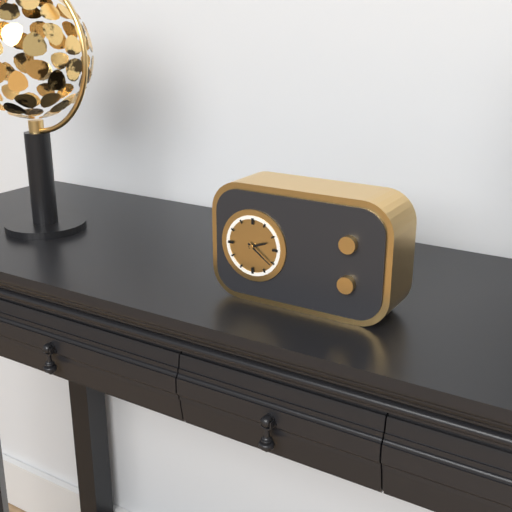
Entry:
h=2 m=21
